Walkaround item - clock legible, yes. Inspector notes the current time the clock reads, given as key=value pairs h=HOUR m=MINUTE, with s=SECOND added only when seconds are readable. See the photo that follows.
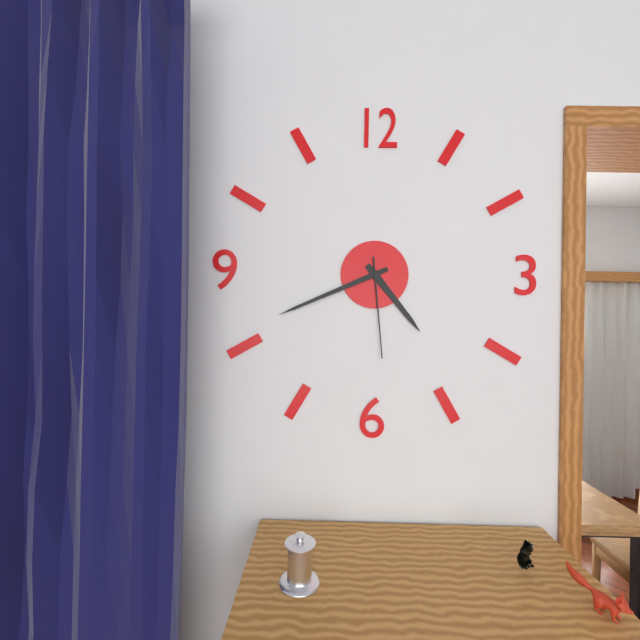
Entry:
h=4 m=41 s=29
